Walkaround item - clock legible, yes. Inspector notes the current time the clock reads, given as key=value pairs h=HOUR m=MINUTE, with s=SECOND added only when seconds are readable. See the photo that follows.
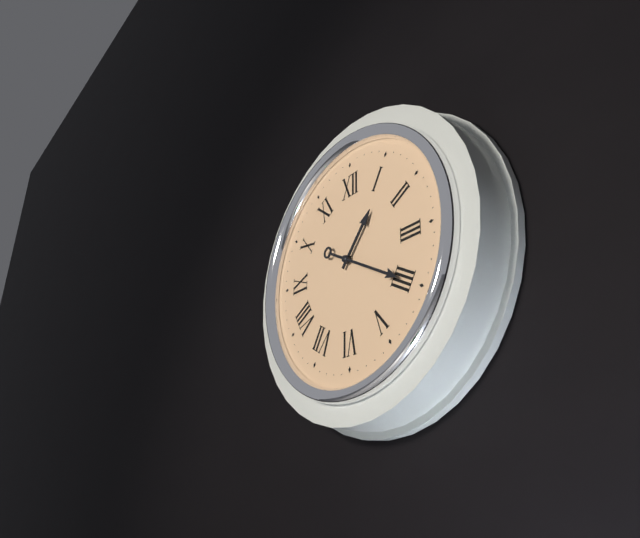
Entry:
h=1 m=20
